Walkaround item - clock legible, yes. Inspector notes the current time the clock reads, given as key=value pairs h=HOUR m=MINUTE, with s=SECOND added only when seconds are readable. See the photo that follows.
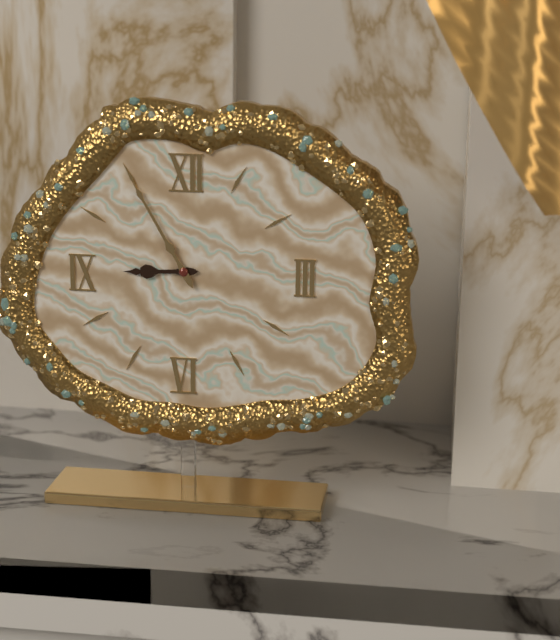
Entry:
h=8 m=55
